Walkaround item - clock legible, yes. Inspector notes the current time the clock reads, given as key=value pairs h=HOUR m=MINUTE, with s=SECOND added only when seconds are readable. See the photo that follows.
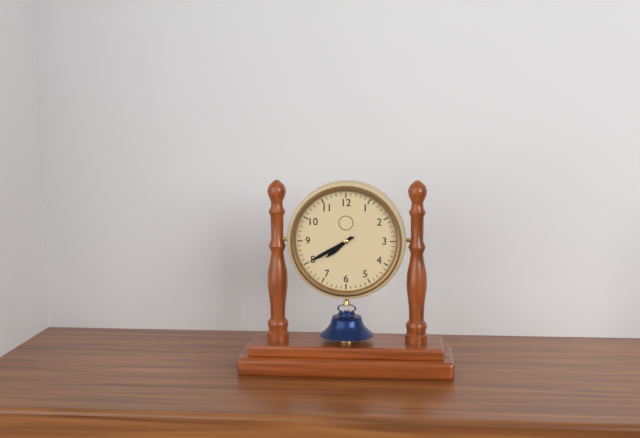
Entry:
h=7 m=40
